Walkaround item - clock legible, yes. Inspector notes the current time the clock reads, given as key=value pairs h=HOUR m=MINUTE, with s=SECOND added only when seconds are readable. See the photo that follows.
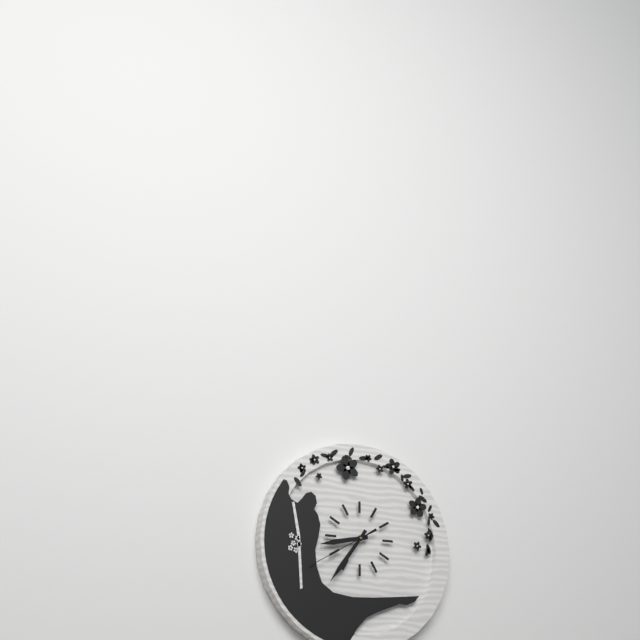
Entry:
h=8 m=36 s=40
